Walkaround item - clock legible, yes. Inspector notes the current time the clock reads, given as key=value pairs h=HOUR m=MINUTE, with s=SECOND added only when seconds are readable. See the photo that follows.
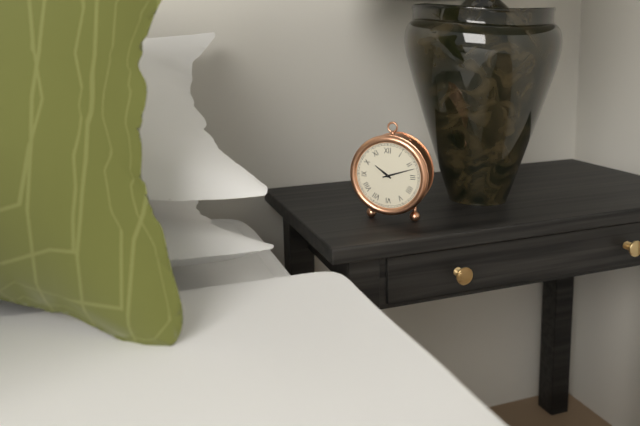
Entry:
h=10 m=12
